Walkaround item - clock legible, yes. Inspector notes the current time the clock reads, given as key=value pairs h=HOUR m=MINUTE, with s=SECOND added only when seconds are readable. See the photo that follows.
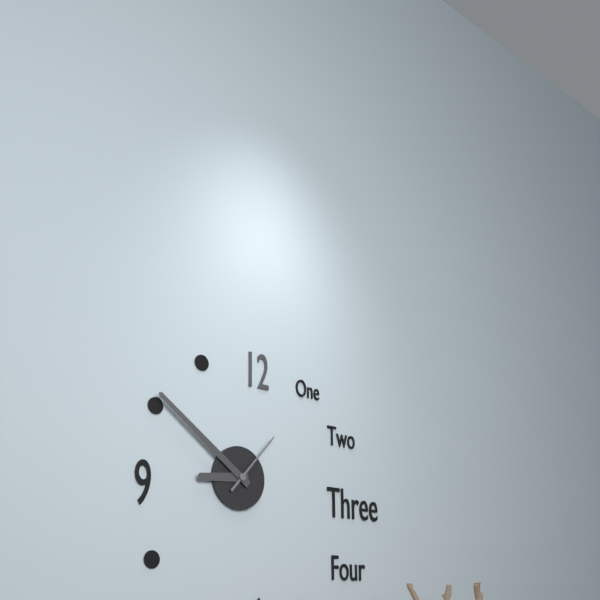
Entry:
h=8 m=51 s=7
